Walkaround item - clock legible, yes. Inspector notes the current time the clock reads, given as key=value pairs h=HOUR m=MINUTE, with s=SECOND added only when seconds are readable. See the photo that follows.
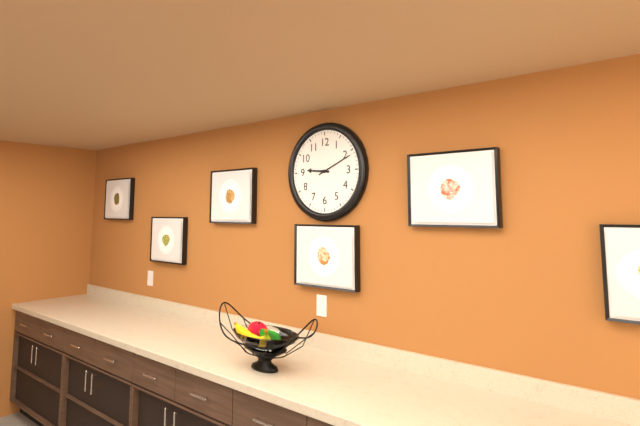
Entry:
h=9 m=11
